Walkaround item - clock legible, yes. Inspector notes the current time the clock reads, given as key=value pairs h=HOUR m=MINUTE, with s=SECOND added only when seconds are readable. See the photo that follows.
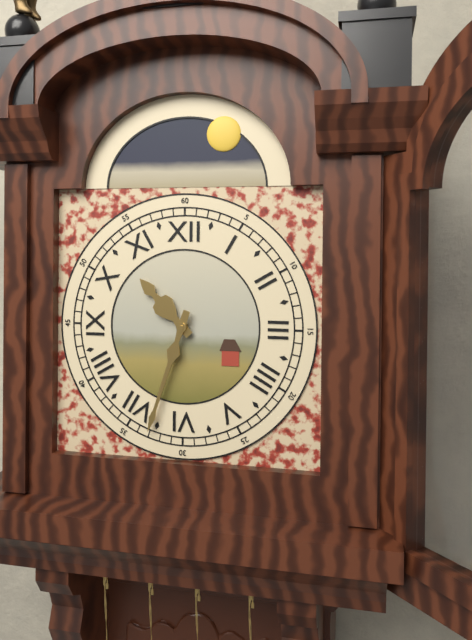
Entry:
h=10 m=33
